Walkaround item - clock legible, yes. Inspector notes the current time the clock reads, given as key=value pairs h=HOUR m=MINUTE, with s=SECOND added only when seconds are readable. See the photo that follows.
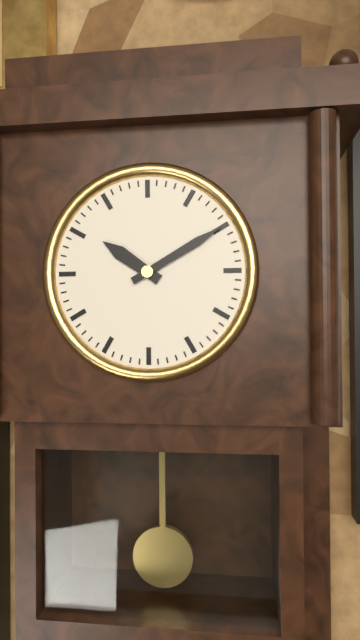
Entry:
h=10 m=10
